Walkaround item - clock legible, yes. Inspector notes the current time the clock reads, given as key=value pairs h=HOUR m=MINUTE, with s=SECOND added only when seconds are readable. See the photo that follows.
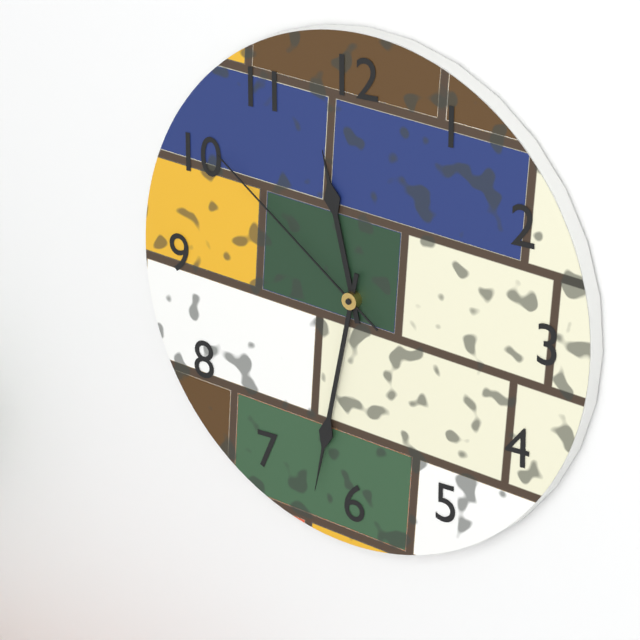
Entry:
h=11 m=32 s=51
